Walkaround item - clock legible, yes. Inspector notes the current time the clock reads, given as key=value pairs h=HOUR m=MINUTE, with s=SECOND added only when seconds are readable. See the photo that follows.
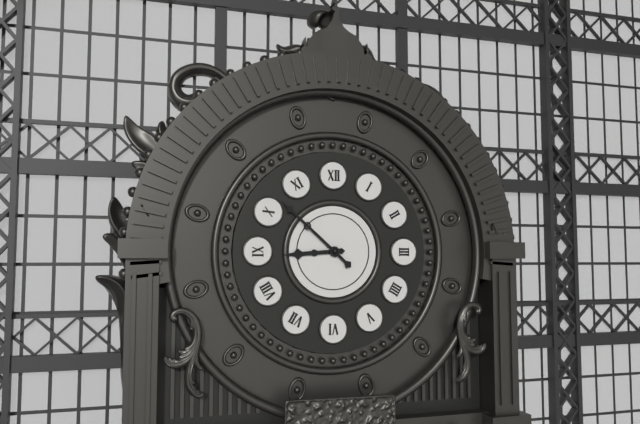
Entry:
h=8 m=52
